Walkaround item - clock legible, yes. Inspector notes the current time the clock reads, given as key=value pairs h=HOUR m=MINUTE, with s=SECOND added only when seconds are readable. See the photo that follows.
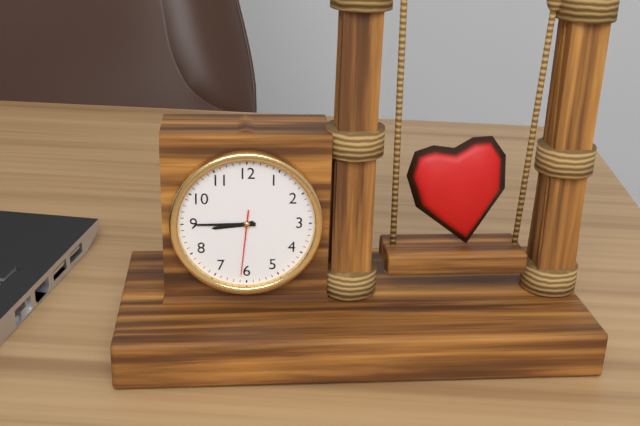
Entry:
h=8 m=45 s=31
